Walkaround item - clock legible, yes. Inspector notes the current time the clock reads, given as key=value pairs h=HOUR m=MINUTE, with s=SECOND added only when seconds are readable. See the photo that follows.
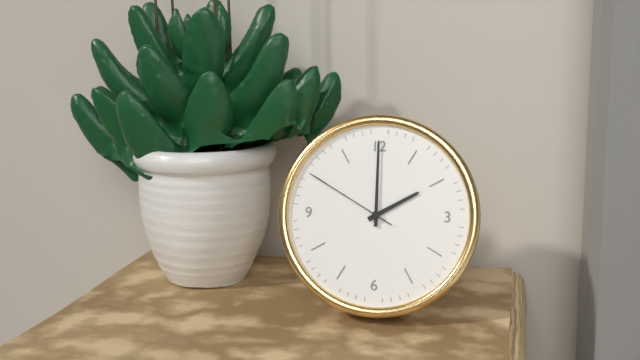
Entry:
h=2 m=0 s=50
